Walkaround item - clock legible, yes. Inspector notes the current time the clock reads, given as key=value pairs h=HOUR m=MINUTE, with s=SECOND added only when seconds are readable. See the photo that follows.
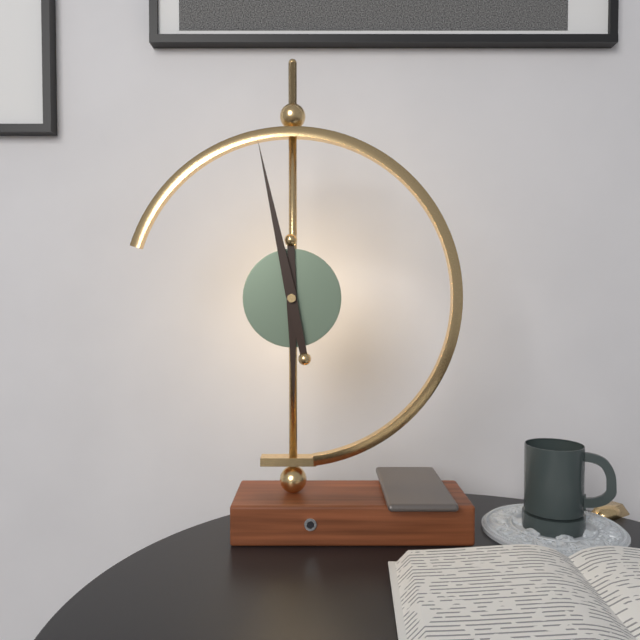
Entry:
h=5 m=58
